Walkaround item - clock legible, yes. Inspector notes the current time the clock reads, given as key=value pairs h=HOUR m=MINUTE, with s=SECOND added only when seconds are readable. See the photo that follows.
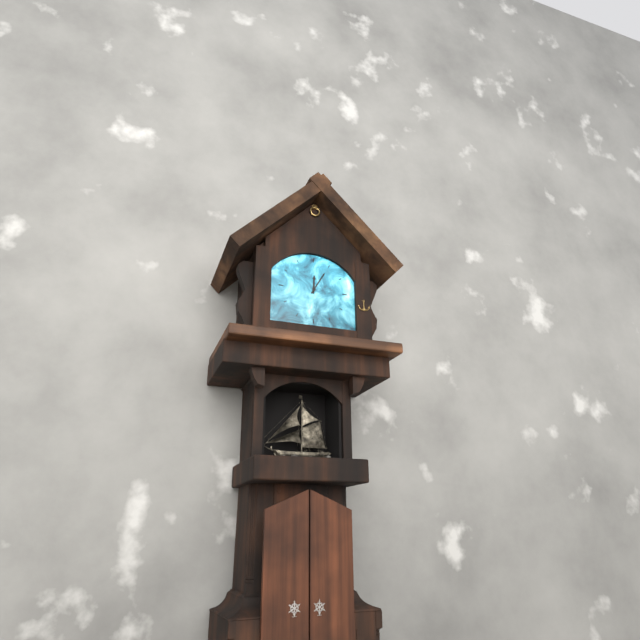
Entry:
h=12 m=5
